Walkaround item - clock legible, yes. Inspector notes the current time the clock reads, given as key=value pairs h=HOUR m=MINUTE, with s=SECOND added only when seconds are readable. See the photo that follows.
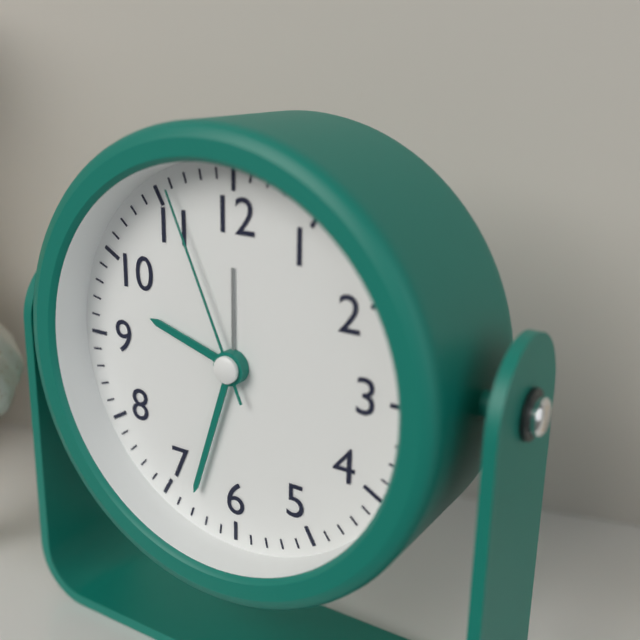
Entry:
h=9 m=33 s=56
